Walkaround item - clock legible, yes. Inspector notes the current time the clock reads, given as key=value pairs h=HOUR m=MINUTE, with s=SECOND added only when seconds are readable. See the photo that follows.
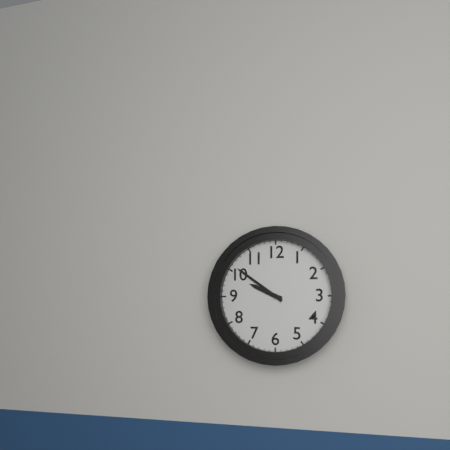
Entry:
h=9 m=51
